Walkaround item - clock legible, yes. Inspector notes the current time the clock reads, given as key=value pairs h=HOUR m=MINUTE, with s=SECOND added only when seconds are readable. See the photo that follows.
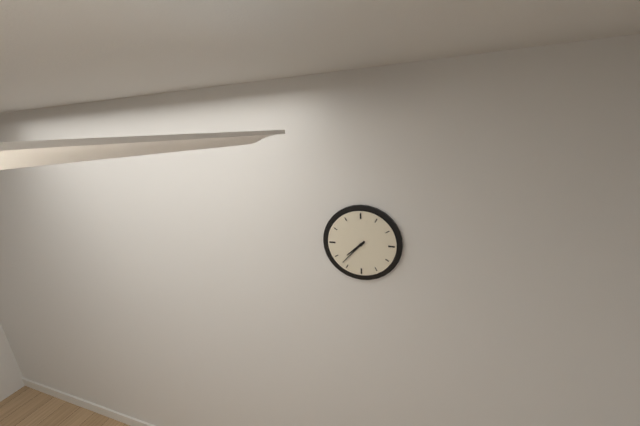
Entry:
h=7 m=37
